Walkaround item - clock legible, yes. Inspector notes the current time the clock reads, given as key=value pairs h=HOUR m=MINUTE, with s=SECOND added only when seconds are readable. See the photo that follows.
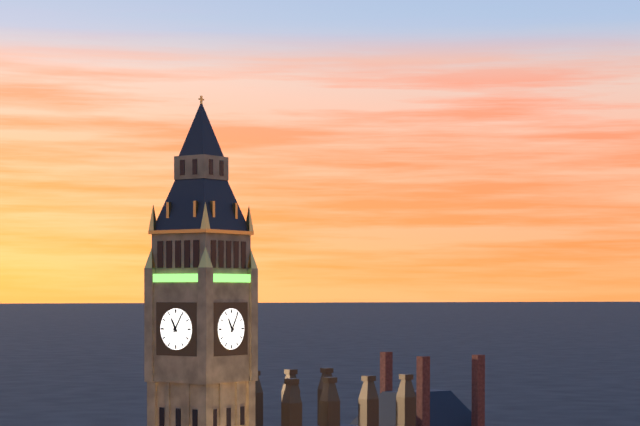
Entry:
h=11 m=5
